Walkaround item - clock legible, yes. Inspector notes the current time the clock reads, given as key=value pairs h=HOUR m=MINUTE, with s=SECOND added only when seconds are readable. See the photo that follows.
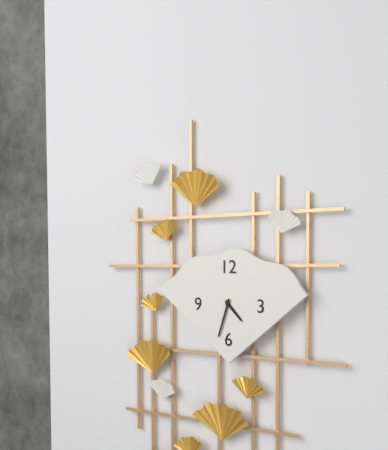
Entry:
h=4 m=33
